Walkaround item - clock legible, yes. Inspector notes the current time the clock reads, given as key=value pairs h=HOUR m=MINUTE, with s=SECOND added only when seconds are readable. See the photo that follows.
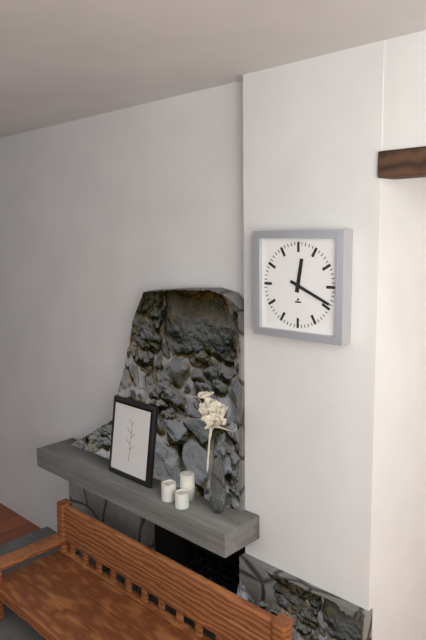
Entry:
h=12 m=19
